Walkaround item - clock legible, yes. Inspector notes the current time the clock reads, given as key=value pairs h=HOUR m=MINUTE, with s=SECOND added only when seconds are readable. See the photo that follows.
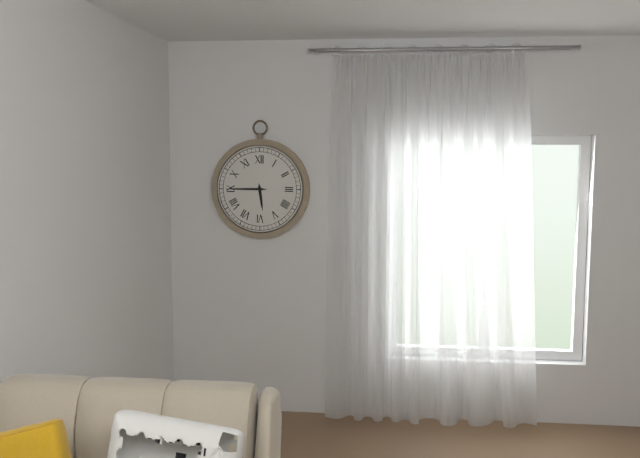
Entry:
h=5 m=45
